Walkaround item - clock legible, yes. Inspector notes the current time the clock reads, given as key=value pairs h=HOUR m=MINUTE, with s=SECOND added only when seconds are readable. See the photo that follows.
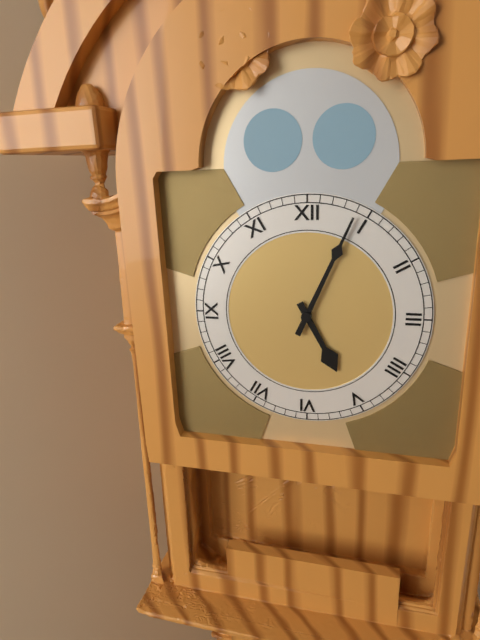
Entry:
h=5 m=4
